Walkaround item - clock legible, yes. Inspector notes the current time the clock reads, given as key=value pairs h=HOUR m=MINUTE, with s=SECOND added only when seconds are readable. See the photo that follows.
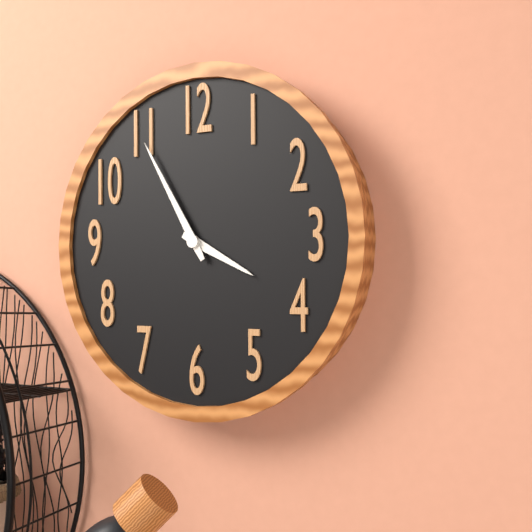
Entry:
h=3 m=55
